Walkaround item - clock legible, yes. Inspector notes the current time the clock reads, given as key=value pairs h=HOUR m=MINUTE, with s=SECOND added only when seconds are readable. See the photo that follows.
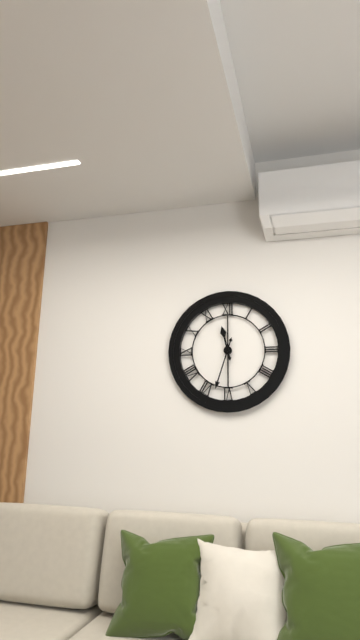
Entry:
h=11 m=33
